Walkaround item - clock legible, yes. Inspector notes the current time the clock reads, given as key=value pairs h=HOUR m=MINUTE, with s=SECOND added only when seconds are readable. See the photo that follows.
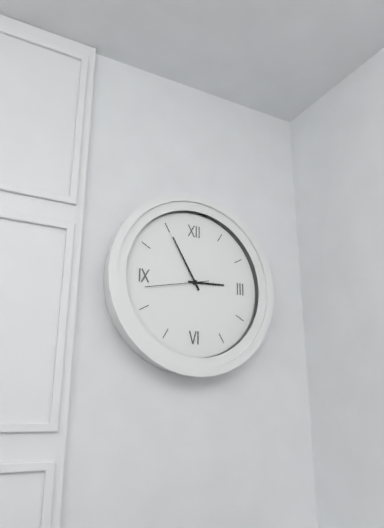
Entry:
h=2 m=55 s=43
